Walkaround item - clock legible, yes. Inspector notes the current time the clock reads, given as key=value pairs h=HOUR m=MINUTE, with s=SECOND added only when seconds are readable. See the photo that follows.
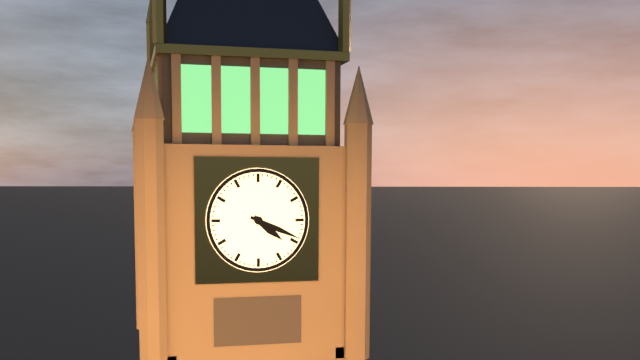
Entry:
h=4 m=19
